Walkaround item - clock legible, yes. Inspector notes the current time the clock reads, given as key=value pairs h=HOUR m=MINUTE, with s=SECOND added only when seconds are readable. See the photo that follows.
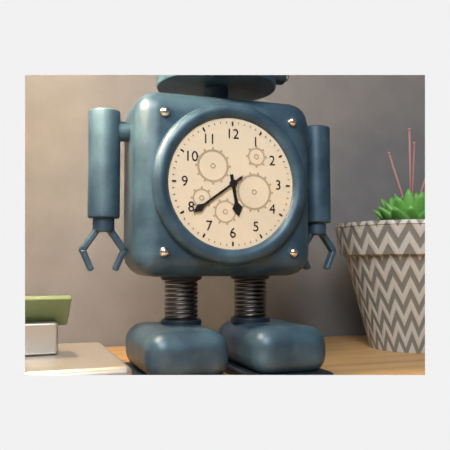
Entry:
h=5 m=39
